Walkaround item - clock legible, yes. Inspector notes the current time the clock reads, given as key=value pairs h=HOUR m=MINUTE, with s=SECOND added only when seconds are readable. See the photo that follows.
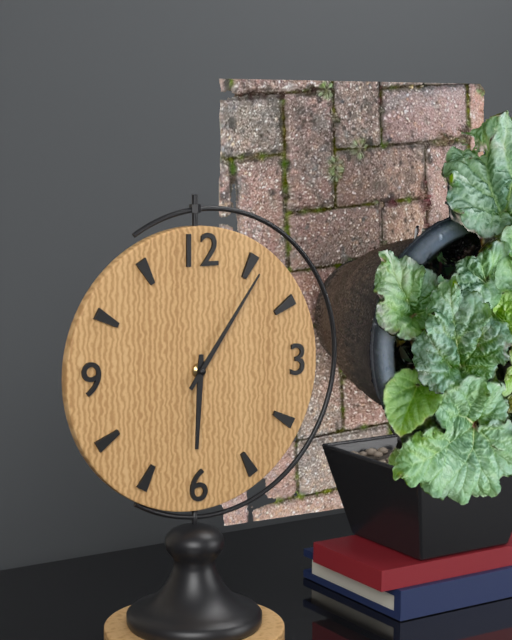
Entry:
h=6 m=6
